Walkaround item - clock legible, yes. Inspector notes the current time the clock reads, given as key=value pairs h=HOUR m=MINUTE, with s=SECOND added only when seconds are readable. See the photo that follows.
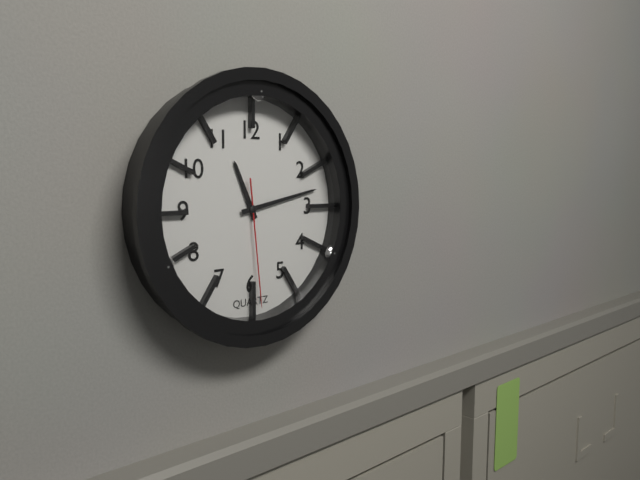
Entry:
h=11 m=13 s=29
